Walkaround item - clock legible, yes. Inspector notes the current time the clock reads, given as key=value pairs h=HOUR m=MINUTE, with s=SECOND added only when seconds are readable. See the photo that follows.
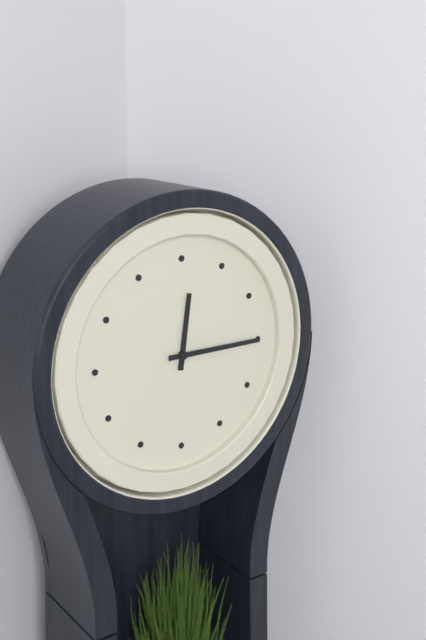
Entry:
h=12 m=15
